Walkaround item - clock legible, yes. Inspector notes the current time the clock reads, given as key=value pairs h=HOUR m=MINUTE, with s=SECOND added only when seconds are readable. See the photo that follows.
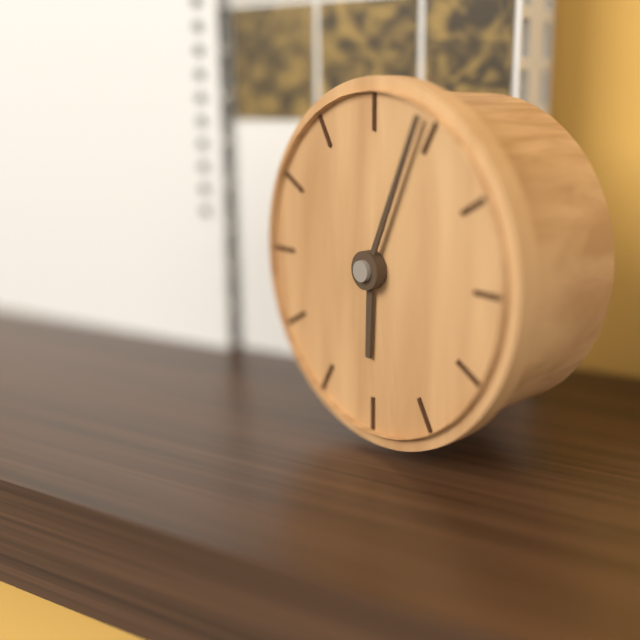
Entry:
h=6 m=4
